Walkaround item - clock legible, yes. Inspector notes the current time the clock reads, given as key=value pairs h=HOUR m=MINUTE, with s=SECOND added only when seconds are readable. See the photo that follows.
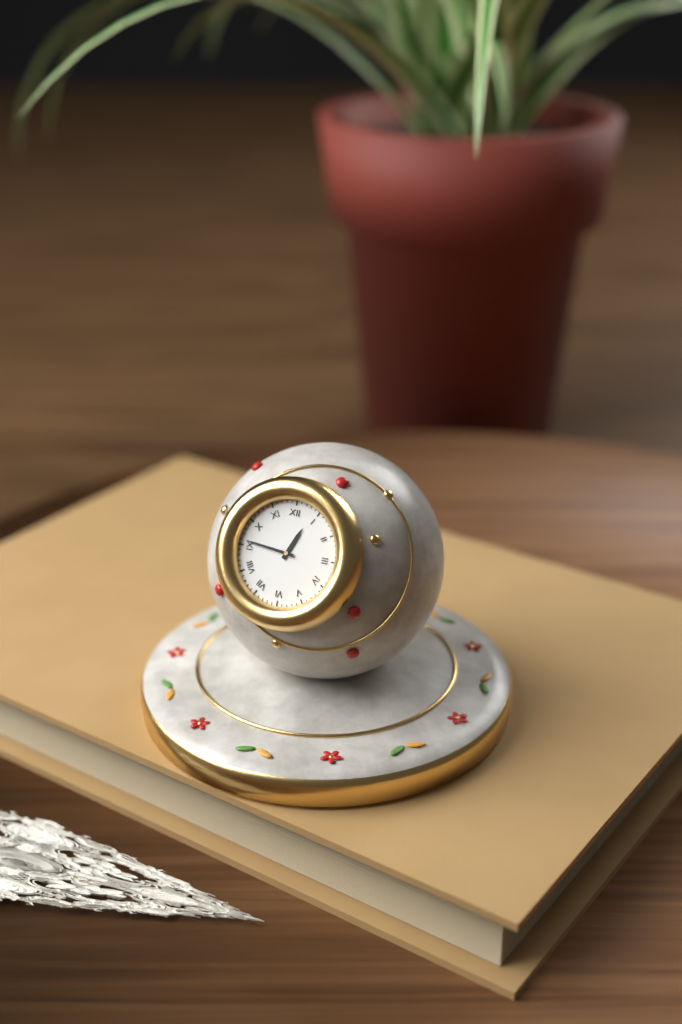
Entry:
h=12 m=46
